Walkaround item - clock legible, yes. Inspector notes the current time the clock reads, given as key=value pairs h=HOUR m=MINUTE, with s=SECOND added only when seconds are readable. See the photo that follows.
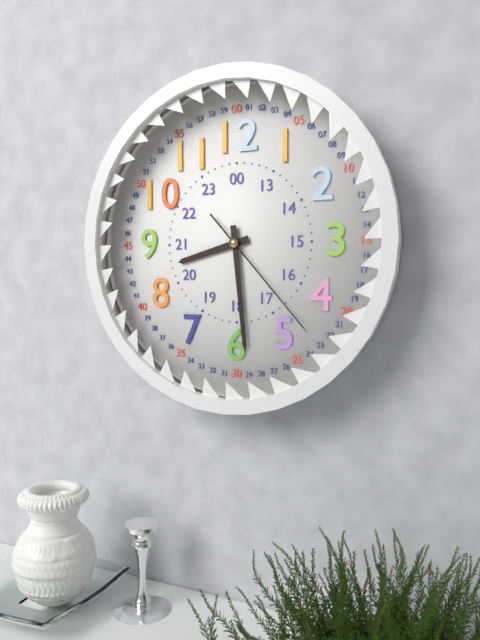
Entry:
h=8 m=29 s=23
